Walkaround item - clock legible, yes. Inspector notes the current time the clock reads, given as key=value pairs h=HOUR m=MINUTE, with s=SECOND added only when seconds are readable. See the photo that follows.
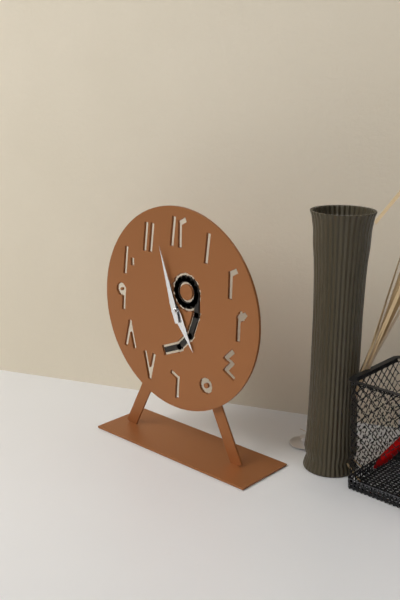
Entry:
h=4 m=57
